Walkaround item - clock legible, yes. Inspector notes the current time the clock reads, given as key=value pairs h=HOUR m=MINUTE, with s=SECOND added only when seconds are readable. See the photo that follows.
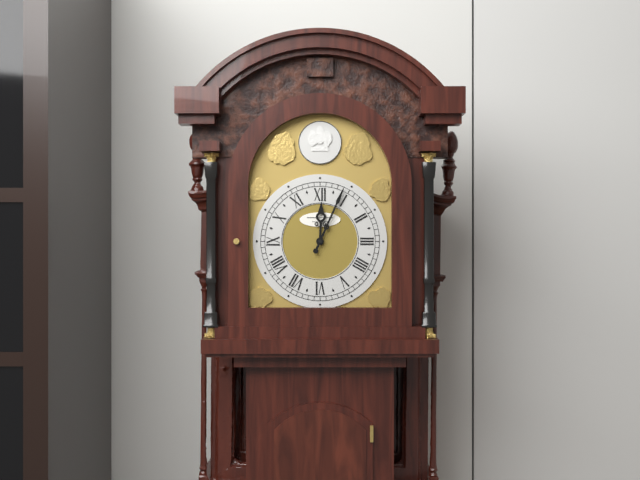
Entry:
h=12 m=4
